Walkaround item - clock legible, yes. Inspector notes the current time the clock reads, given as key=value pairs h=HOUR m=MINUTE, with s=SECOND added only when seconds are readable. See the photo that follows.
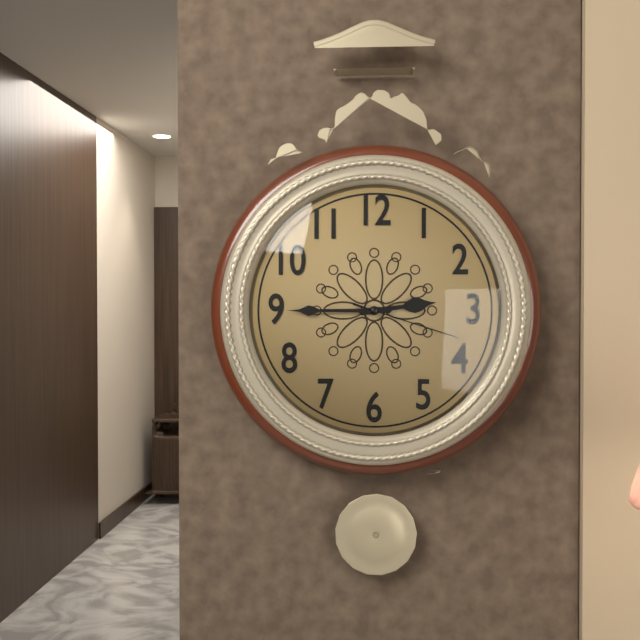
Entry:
h=2 m=45 s=18
